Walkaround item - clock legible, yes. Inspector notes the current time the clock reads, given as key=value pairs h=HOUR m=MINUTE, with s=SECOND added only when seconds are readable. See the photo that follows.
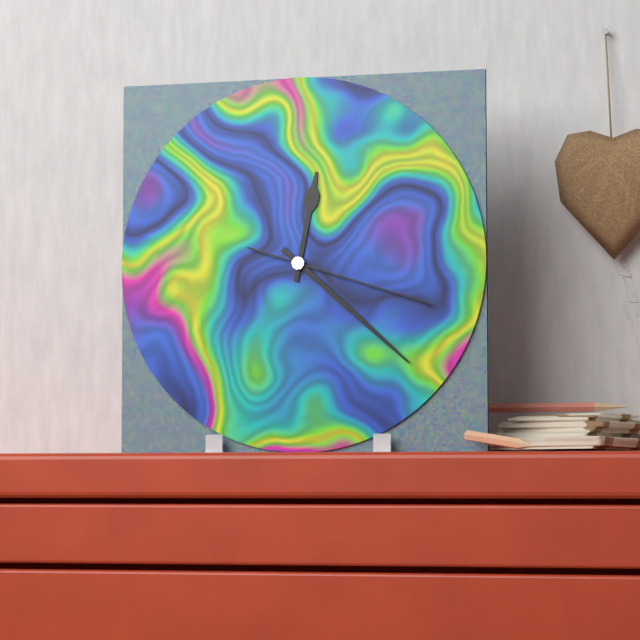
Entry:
h=12 m=22 s=18
